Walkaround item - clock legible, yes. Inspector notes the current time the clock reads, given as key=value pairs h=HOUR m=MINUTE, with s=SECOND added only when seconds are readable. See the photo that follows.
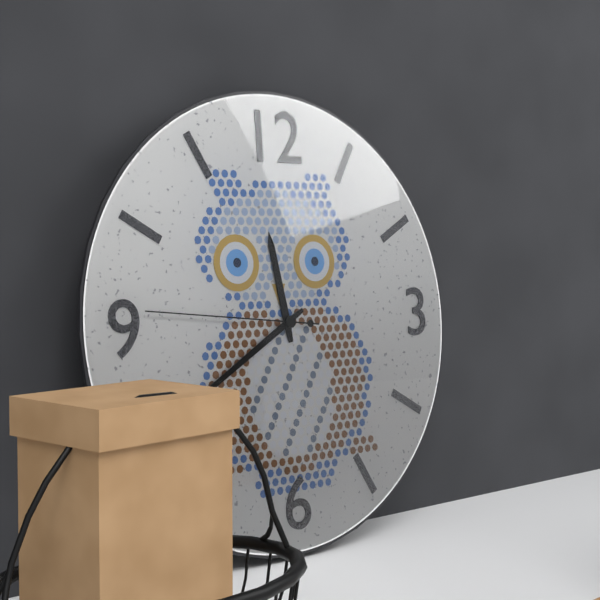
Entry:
h=11 m=40 s=46
